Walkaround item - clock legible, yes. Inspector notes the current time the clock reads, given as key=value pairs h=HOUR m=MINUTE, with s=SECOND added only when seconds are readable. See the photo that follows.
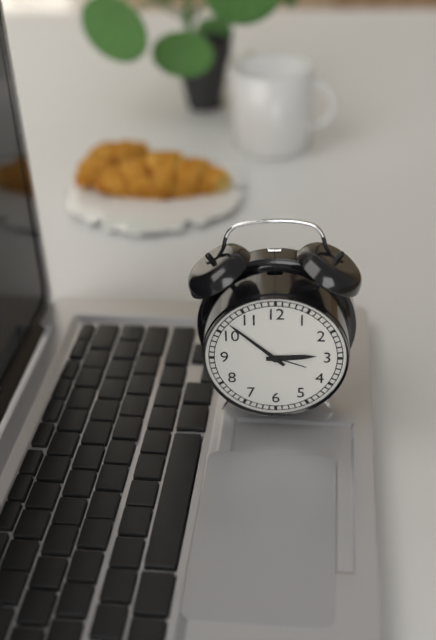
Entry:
h=2 m=52
